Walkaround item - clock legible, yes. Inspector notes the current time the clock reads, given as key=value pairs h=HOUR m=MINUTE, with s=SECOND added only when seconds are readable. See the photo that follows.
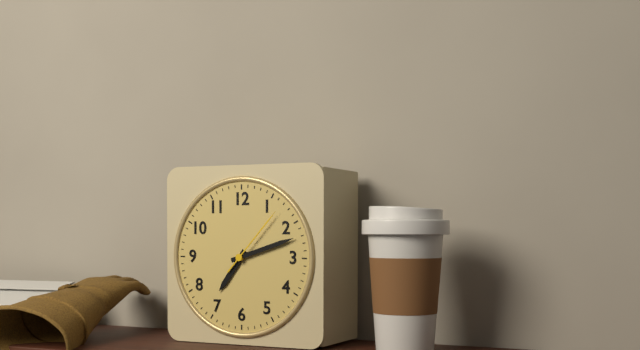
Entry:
h=7 m=12 s=7
